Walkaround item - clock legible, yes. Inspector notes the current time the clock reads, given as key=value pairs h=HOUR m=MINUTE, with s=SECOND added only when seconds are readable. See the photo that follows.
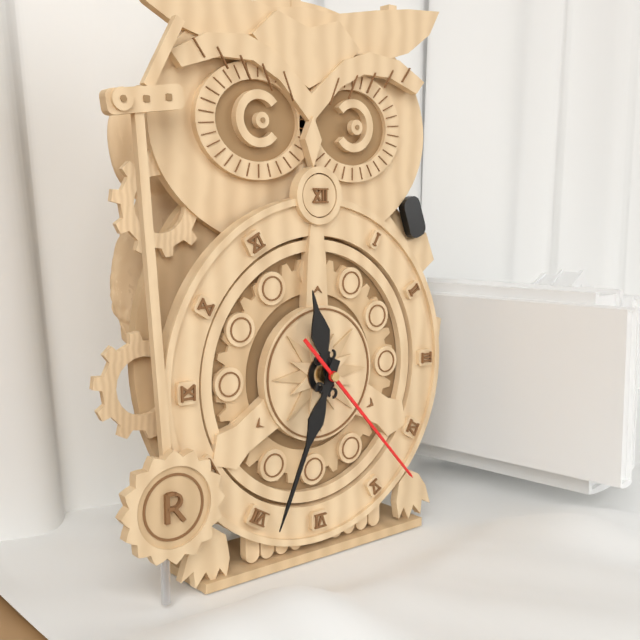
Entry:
h=11 m=34 s=23
